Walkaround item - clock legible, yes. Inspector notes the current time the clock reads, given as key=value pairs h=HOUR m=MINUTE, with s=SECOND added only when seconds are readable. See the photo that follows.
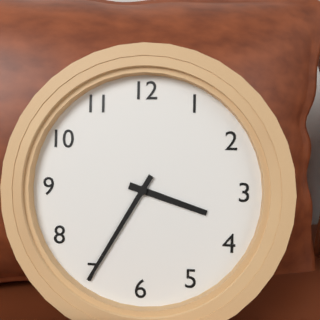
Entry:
h=3 m=35
